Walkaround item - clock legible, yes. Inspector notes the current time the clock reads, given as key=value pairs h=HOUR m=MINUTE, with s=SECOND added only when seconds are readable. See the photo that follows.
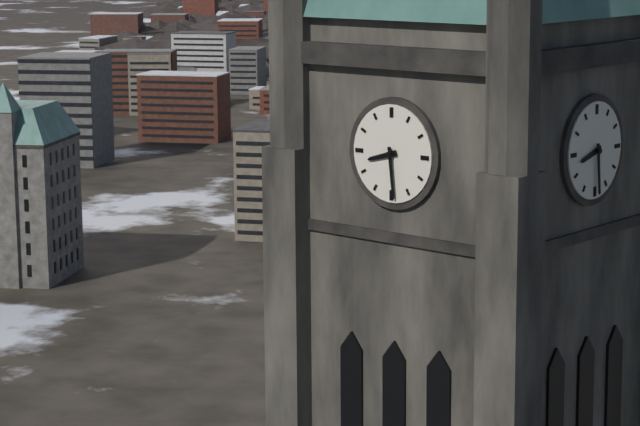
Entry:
h=8 m=29
